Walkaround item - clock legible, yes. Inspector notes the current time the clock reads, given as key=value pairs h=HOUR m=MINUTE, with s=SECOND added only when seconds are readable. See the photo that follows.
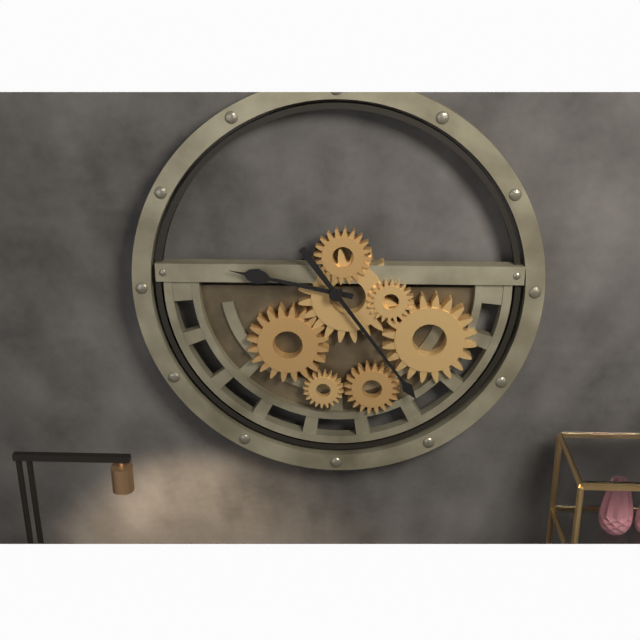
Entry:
h=9 m=24
